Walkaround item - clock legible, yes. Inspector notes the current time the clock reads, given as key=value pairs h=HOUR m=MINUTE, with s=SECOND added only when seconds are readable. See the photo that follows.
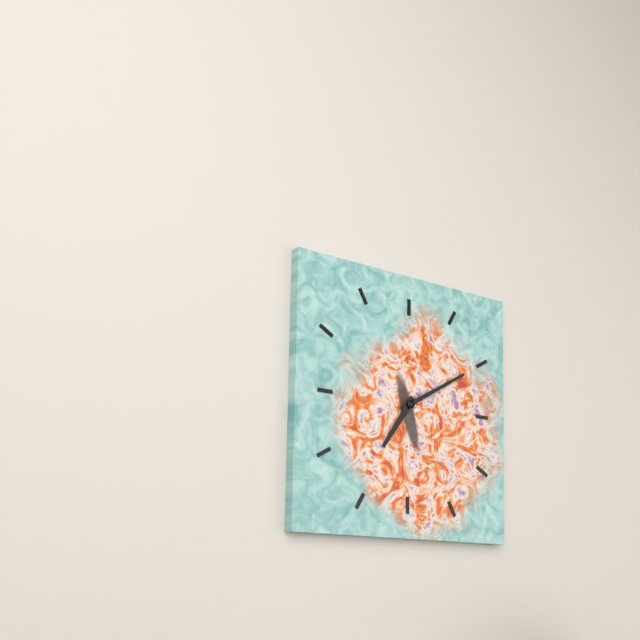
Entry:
h=7 m=10
